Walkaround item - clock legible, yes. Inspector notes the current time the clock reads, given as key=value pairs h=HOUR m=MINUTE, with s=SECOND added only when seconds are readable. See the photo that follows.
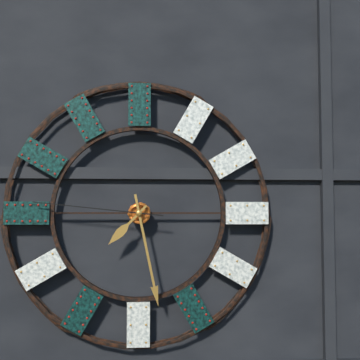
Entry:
h=7 m=28 s=46
